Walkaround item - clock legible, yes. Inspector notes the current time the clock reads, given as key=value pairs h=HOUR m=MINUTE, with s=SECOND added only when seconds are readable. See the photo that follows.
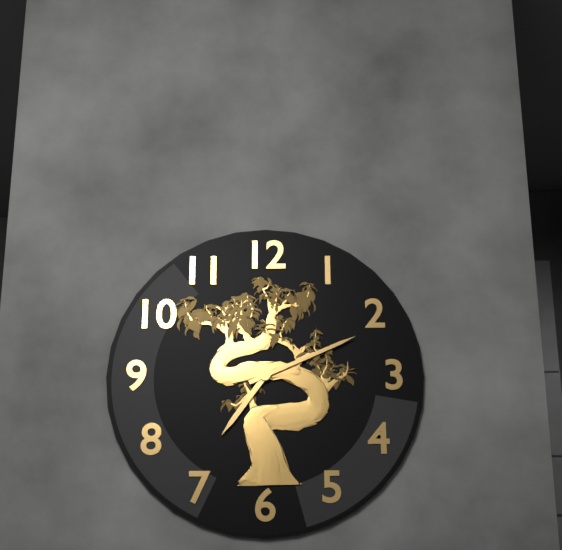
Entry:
h=7 m=11
